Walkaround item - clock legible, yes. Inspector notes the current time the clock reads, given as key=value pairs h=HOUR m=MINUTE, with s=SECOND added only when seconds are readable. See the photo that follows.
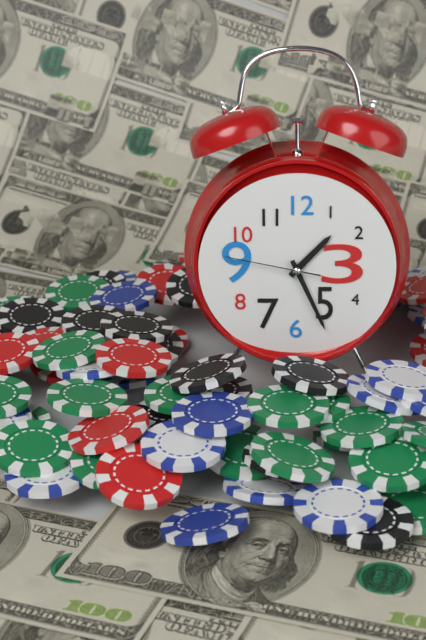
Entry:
h=1 m=26 s=47
